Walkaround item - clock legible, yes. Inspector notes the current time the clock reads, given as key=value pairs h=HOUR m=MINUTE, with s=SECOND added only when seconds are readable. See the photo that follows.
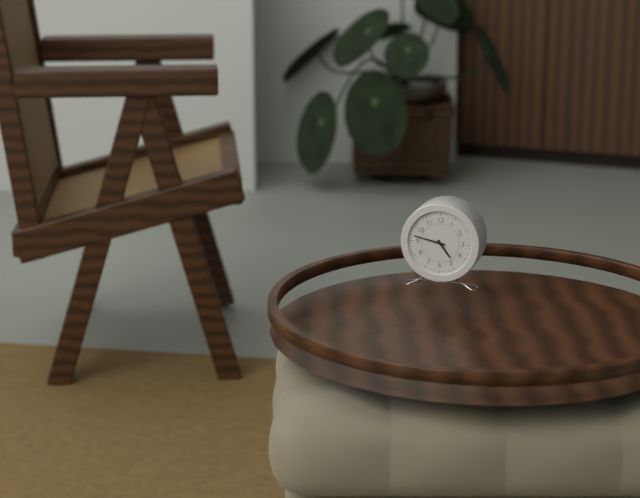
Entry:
h=4 m=47
